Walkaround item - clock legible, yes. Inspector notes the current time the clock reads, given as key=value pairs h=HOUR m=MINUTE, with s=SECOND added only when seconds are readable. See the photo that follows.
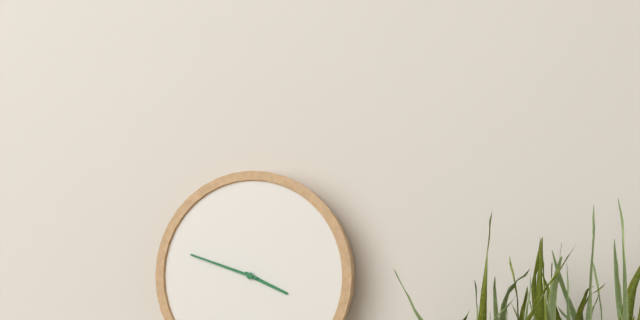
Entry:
h=3 m=48
